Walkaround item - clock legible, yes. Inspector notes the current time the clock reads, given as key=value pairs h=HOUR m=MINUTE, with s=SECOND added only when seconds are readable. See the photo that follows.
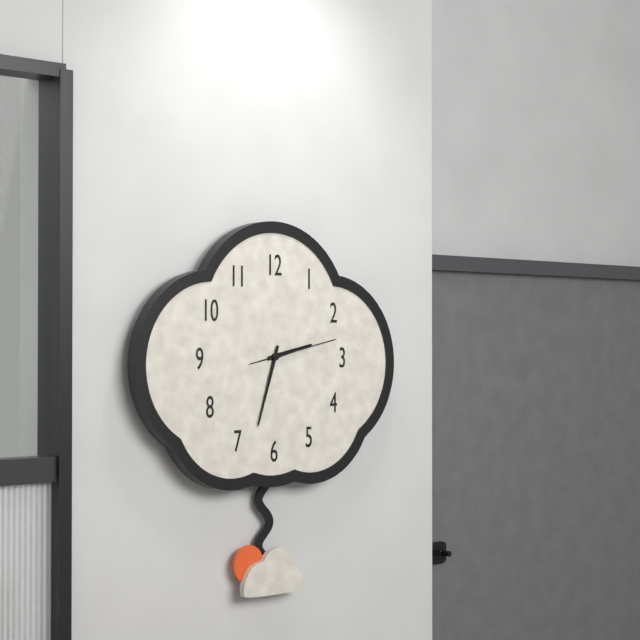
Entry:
h=2 m=33 s=13
